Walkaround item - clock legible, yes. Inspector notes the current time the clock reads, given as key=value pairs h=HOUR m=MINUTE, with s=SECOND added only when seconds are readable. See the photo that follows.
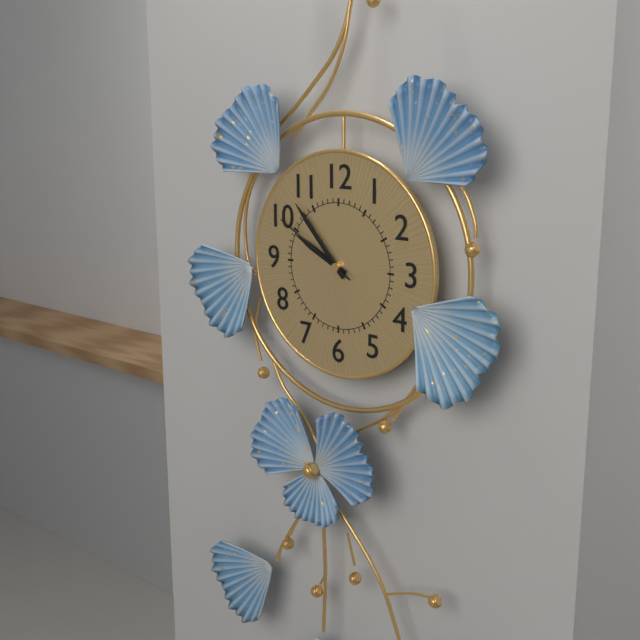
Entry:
h=9 m=53 s=50
